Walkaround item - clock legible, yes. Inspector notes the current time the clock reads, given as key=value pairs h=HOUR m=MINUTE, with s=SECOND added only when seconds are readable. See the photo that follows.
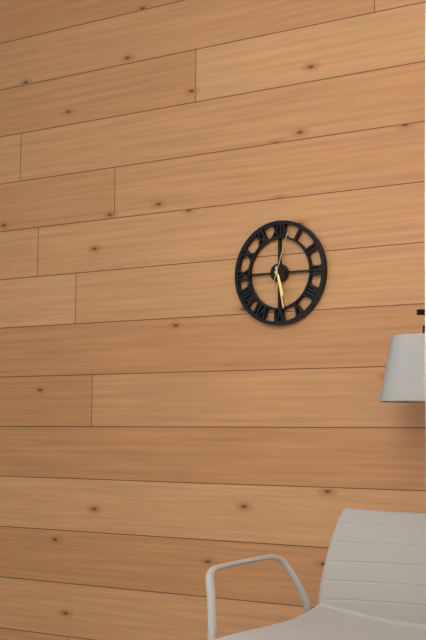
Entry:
h=5 m=28 s=3
